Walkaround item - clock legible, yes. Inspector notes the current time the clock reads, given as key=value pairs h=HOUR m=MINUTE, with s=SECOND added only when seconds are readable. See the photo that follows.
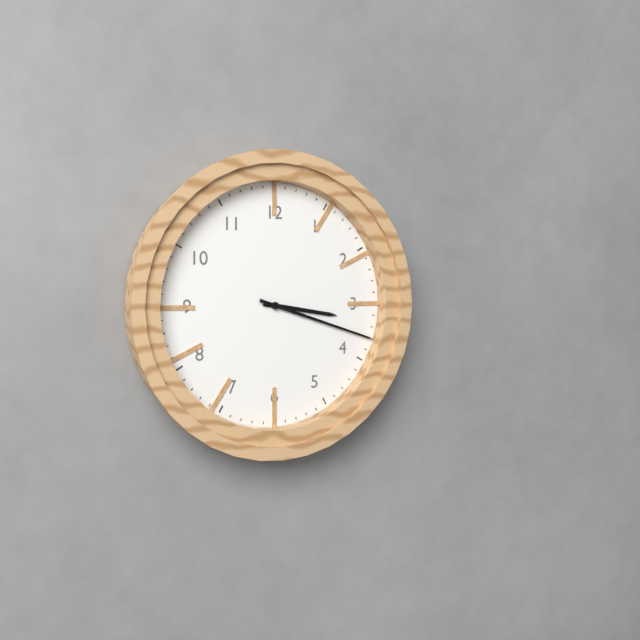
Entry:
h=3 m=18
